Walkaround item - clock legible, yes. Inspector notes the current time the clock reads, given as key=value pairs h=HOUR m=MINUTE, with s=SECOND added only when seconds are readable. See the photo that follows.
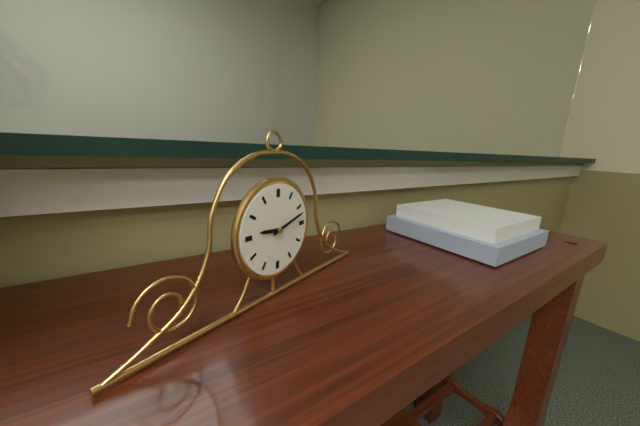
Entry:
h=9 m=12
